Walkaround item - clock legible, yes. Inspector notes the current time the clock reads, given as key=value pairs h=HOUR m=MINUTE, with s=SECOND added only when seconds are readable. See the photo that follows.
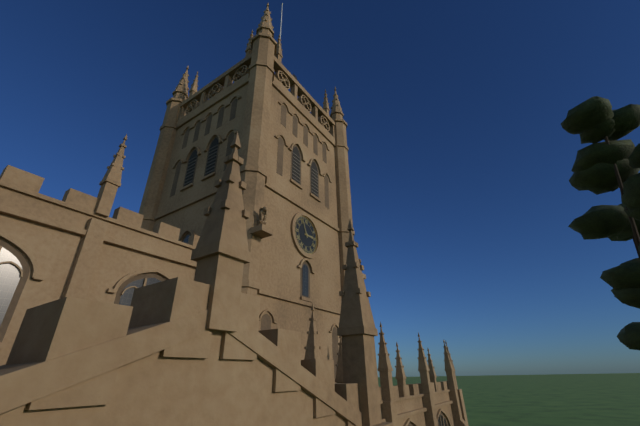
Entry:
h=2 m=56
